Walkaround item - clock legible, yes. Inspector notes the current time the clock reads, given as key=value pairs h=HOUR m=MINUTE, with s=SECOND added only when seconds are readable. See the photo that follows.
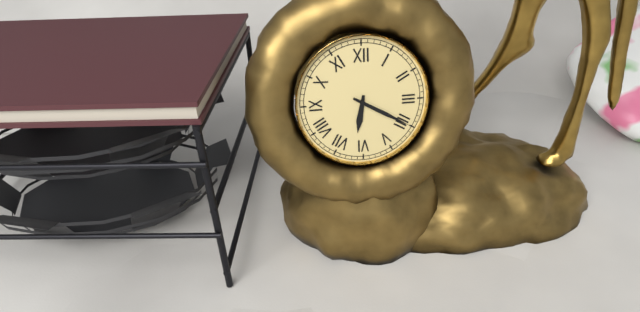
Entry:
h=6 m=20
